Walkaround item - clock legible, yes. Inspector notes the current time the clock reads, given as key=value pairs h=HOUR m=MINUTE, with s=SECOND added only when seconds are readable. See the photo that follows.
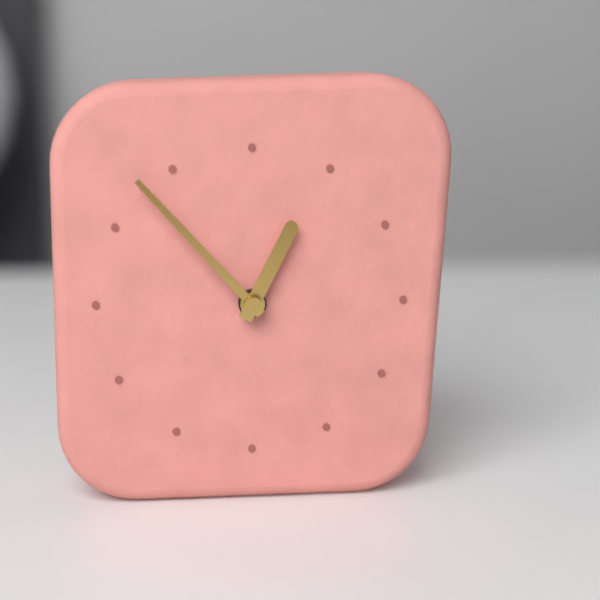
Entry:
h=12 m=53
